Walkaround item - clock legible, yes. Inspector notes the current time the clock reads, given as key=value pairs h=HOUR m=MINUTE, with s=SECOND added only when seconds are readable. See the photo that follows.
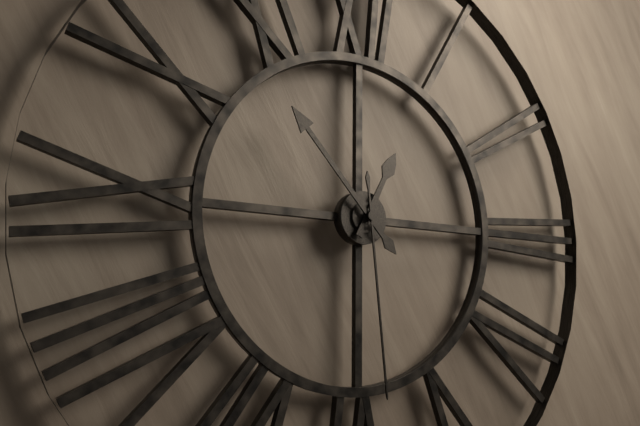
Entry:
h=12 m=53 s=29
